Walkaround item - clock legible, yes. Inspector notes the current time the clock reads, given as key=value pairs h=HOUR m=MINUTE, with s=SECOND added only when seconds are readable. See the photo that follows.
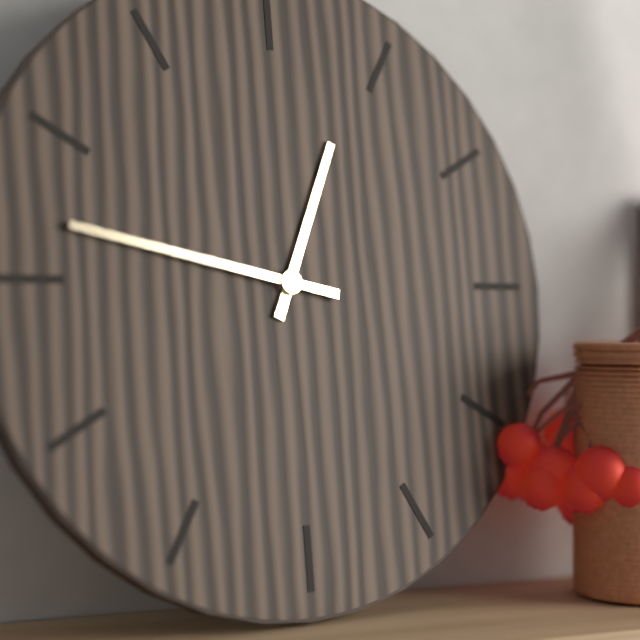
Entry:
h=12 m=47
